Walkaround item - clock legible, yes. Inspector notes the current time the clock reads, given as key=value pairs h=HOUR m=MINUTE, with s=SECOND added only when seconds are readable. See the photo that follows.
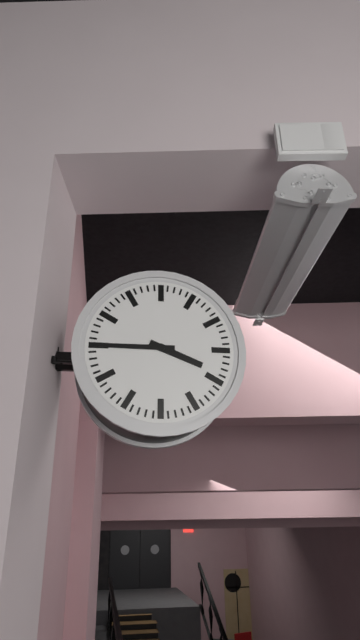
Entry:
h=3 m=45
